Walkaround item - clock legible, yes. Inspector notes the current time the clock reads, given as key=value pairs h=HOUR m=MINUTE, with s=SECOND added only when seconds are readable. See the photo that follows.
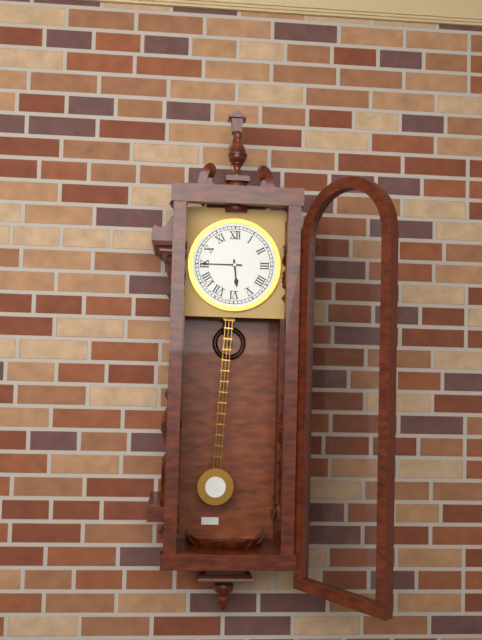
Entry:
h=5 m=45
